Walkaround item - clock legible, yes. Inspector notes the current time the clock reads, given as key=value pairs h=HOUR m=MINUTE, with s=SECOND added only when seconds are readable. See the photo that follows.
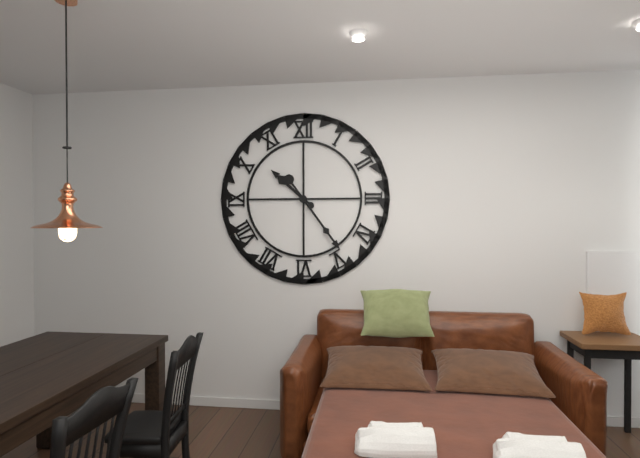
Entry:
h=10 m=24
